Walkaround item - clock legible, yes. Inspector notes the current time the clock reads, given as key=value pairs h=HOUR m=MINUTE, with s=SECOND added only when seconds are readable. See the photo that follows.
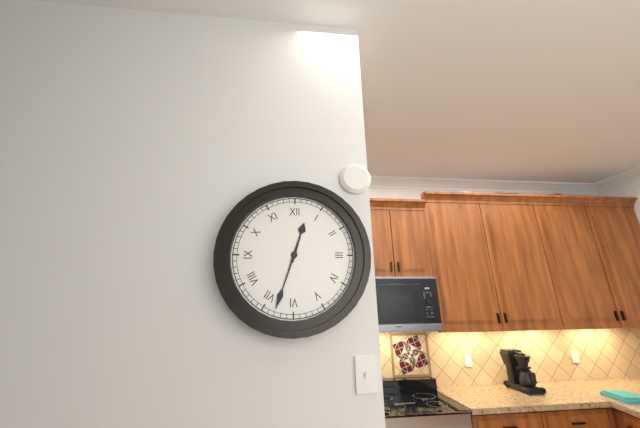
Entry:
h=12 m=33
